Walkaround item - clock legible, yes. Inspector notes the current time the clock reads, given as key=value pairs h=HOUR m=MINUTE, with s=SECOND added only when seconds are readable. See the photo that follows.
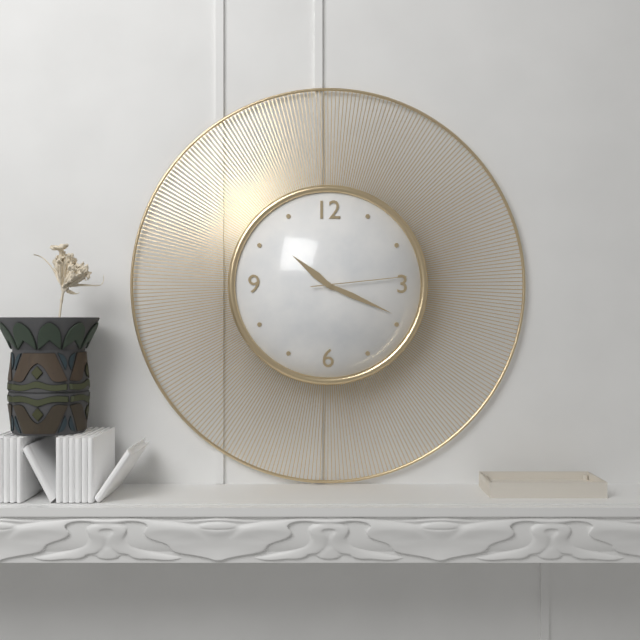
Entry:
h=10 m=19 s=14
